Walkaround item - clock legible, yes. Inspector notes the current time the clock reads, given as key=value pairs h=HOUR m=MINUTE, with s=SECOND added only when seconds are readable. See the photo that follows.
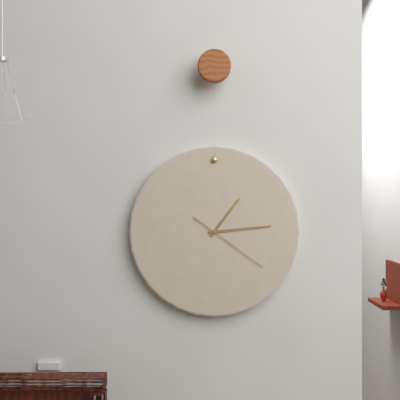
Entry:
h=1 m=14 s=21
